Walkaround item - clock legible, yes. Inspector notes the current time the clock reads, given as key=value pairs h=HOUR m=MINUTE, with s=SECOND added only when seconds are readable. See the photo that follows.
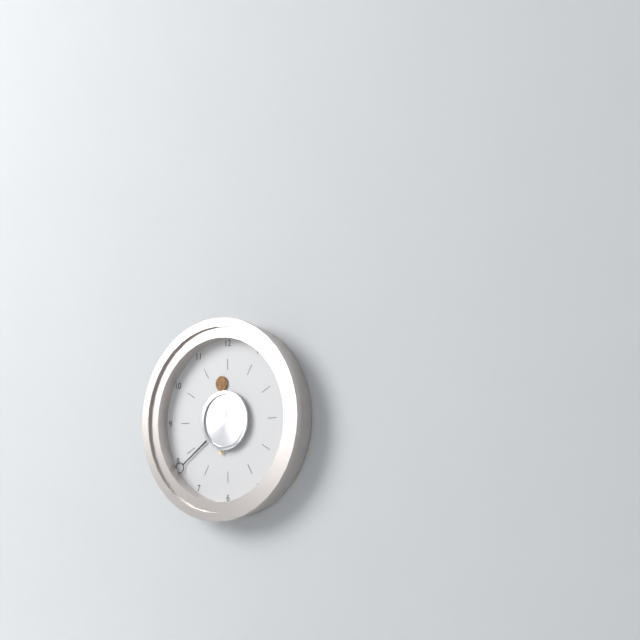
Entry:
h=11 m=39
